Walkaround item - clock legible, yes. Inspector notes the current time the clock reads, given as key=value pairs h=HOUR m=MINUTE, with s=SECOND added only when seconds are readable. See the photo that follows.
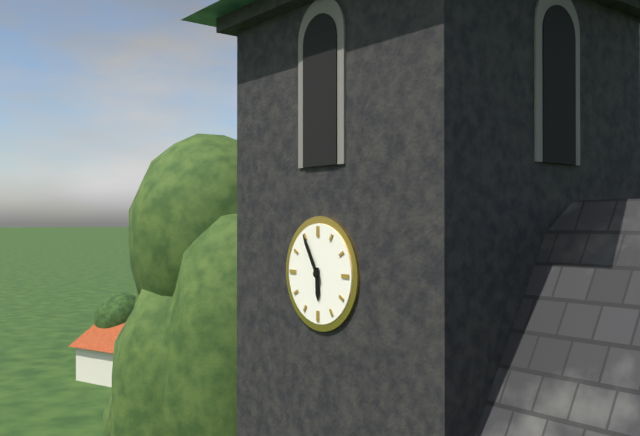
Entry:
h=5 m=55
